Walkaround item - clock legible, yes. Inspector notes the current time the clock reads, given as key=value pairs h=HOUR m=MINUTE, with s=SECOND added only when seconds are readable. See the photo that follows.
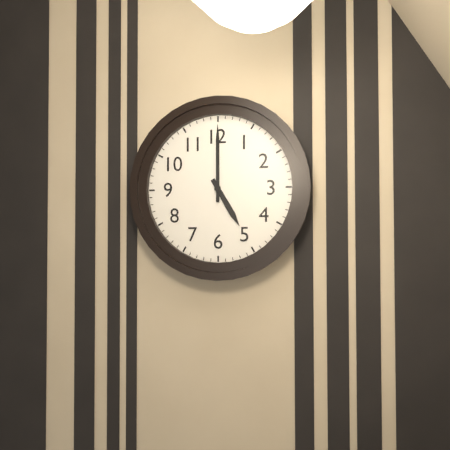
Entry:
h=5 m=0
